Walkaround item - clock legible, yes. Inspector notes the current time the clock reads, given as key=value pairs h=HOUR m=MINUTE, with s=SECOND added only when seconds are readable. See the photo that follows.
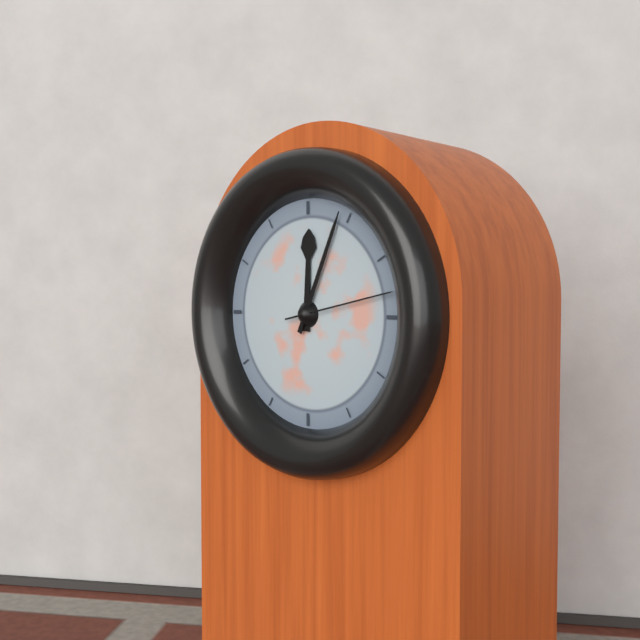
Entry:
h=12 m=4 s=13
